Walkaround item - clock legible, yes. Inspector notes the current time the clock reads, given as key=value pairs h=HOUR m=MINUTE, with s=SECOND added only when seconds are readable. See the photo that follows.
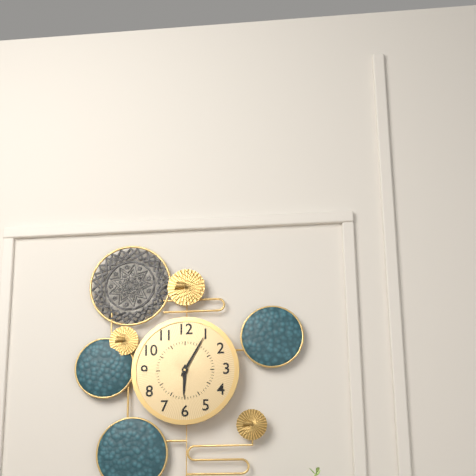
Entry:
h=6 m=5
